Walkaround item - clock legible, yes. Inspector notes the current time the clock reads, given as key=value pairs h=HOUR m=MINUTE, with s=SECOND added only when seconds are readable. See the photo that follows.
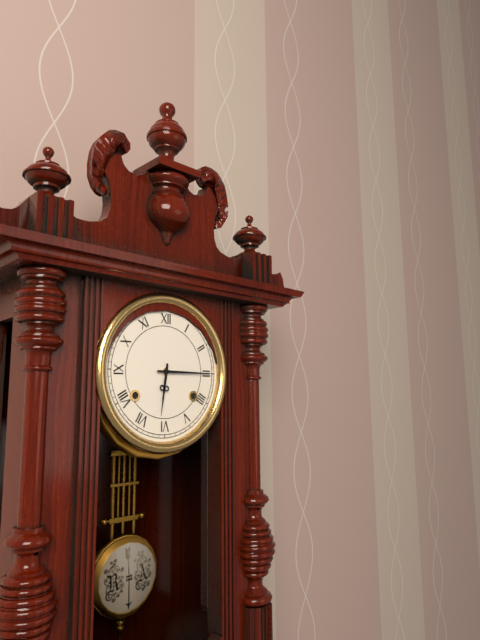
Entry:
h=6 m=15
